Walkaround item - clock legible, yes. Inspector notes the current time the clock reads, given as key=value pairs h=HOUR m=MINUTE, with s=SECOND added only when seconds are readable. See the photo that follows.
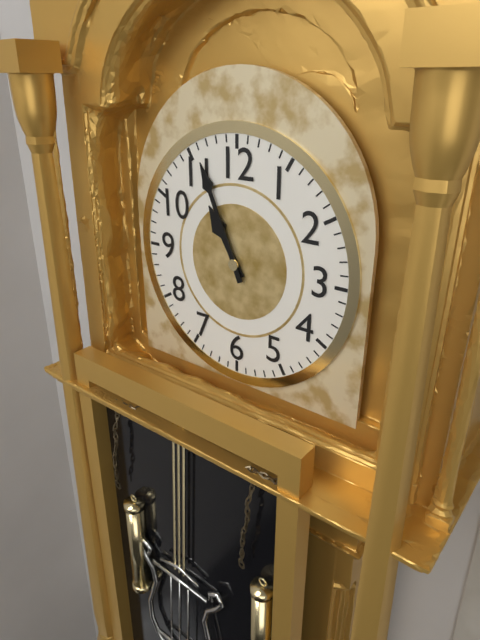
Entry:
h=10 m=56
